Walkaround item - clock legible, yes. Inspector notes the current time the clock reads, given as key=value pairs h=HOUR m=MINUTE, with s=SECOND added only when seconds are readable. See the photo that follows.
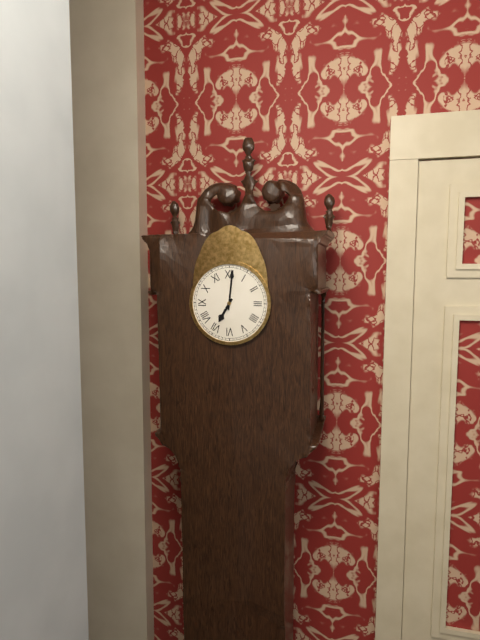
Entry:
h=7 m=1
